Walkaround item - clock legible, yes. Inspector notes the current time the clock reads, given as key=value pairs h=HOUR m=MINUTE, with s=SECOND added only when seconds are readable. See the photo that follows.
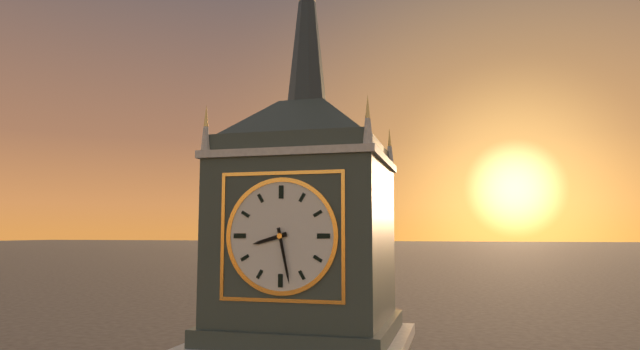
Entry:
h=8 m=28
